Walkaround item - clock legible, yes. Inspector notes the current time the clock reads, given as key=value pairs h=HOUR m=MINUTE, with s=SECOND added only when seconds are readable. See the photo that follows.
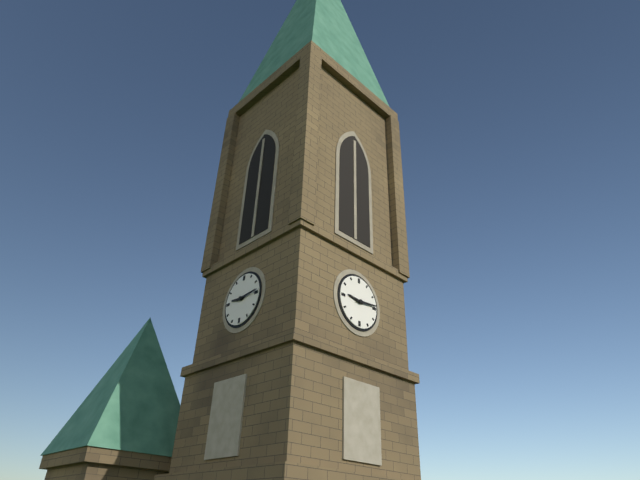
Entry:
h=9 m=14
